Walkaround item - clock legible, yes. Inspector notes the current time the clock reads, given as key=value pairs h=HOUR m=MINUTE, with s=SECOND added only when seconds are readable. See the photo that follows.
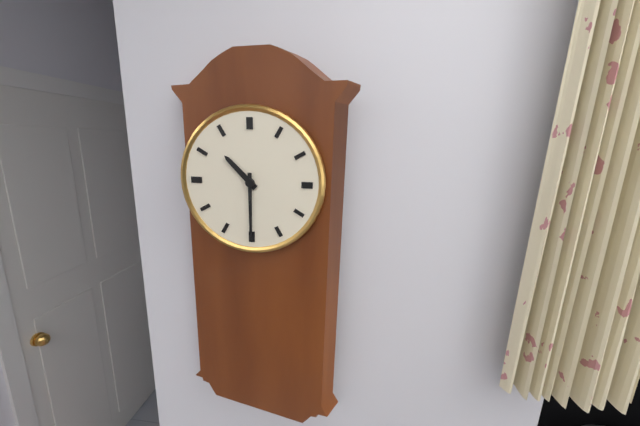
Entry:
h=10 m=30
